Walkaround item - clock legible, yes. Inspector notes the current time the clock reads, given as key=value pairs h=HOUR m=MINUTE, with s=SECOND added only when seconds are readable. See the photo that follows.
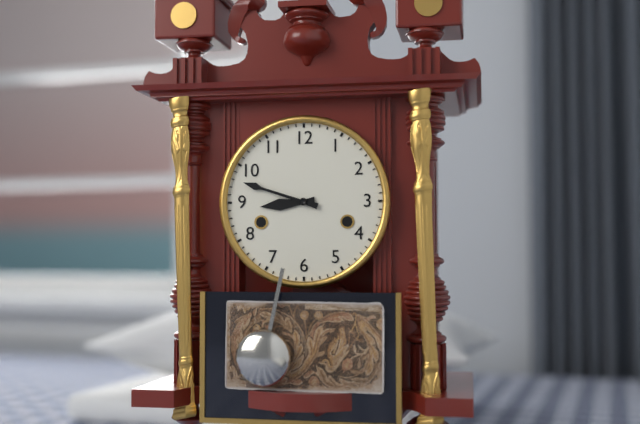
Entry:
h=8 m=48
